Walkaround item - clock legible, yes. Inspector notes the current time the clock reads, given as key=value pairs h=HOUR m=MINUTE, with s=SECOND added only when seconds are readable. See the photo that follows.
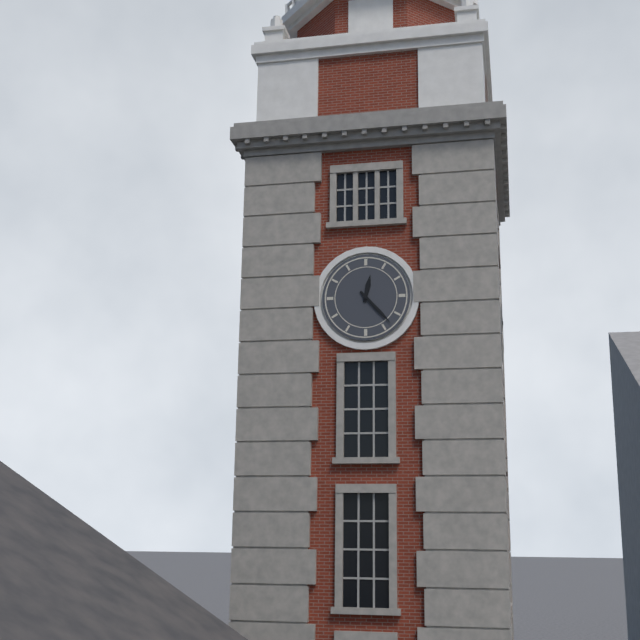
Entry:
h=12 m=23
